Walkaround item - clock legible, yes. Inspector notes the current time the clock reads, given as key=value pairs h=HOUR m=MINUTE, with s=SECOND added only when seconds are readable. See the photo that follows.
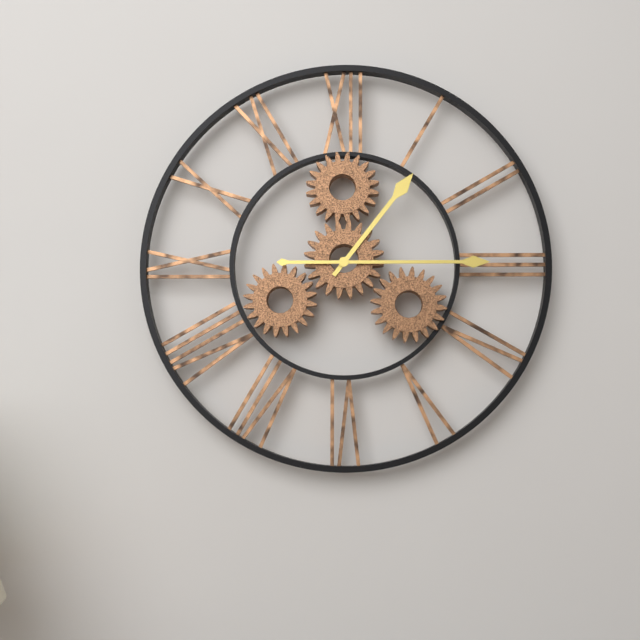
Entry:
h=1 m=15
